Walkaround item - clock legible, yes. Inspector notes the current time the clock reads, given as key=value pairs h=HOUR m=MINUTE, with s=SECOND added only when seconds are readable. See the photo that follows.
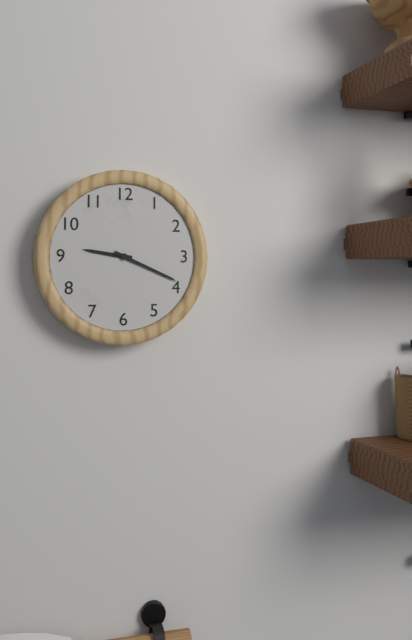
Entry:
h=9 m=19
